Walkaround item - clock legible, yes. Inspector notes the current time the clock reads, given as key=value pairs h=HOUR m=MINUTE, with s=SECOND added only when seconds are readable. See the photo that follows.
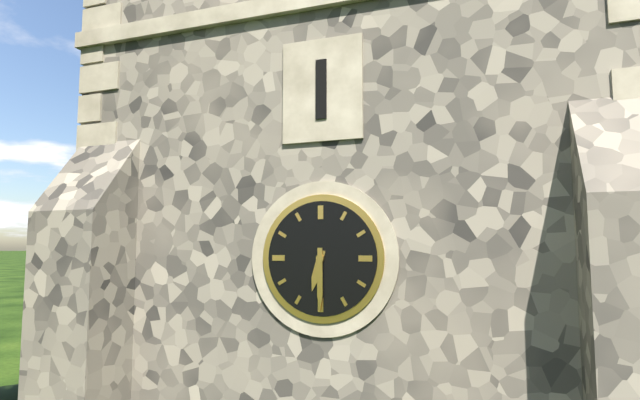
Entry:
h=6 m=30
